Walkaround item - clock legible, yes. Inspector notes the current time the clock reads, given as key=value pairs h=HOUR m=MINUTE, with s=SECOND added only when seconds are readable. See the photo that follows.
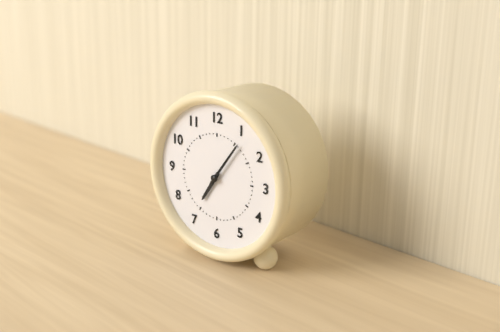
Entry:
h=7 m=6
